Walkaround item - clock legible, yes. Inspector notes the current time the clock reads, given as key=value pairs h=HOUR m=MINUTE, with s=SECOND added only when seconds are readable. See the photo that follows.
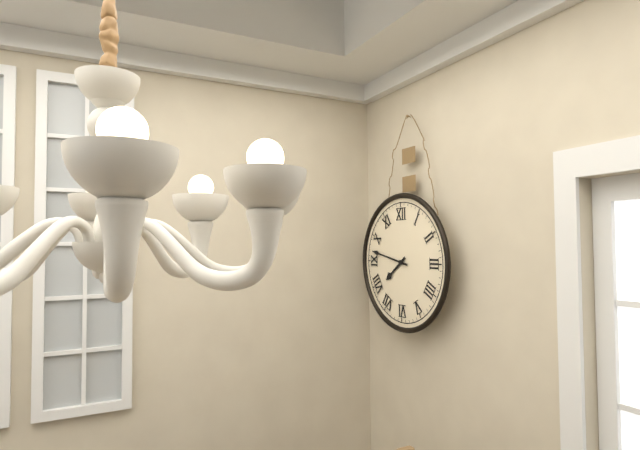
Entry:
h=7 m=47
